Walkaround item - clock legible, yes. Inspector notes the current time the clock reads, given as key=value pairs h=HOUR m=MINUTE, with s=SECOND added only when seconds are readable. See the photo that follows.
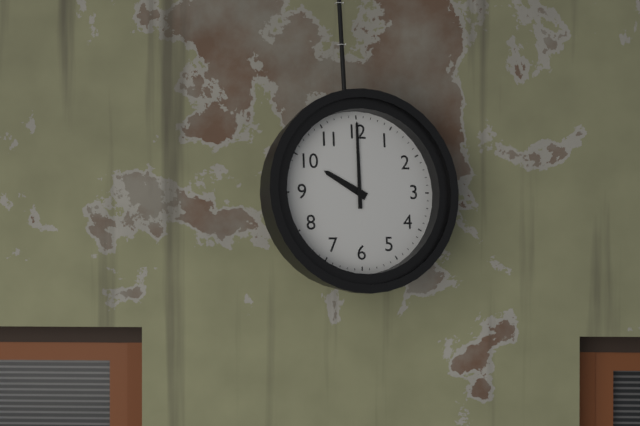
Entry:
h=10 m=0
